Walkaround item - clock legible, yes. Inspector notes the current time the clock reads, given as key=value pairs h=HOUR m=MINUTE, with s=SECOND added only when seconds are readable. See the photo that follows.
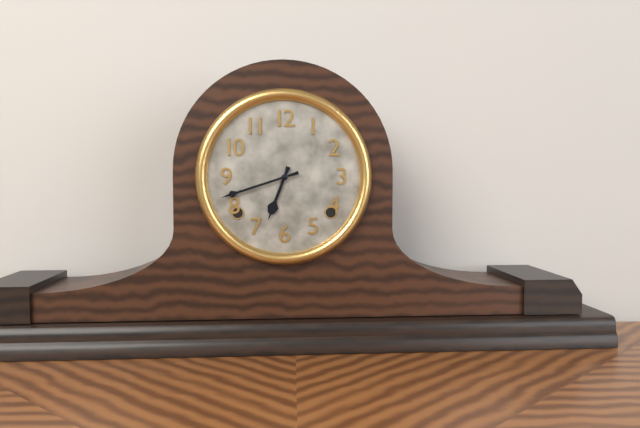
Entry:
h=6 m=42
